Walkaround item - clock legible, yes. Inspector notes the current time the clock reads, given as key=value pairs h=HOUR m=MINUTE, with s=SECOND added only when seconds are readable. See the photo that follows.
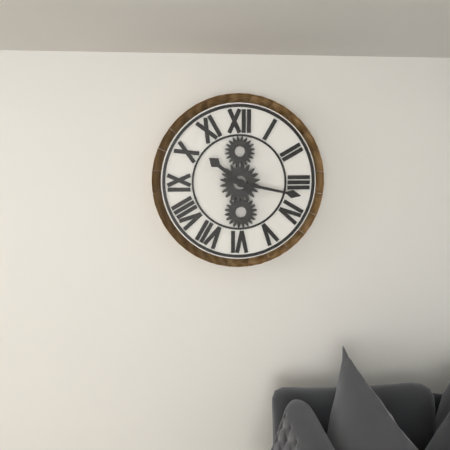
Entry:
h=10 m=17
